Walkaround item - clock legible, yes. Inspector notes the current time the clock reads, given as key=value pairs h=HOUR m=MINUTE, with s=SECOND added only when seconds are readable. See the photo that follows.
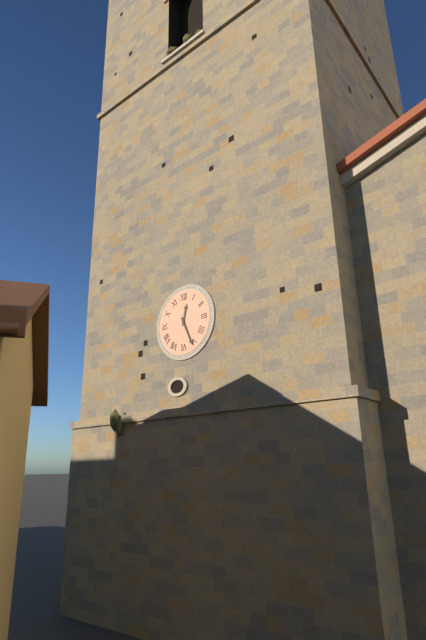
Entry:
h=12 m=26
